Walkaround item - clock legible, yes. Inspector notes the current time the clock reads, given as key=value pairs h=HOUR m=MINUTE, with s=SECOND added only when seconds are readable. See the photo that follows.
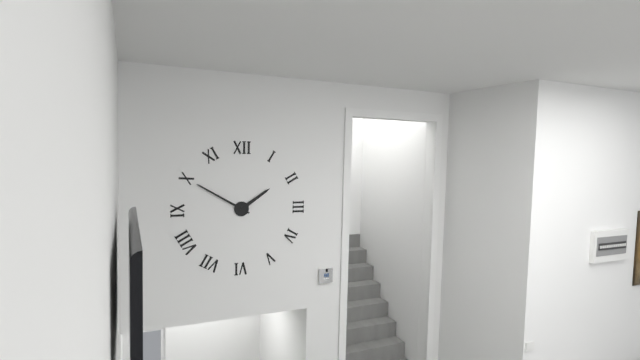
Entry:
h=1 m=50
